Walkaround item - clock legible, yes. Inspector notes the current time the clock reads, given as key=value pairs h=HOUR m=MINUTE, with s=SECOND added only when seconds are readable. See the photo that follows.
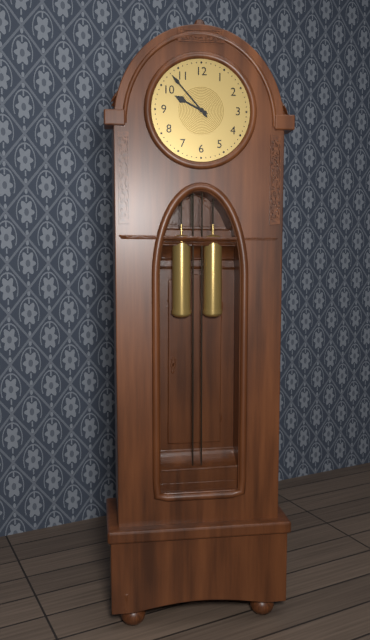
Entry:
h=9 m=53
